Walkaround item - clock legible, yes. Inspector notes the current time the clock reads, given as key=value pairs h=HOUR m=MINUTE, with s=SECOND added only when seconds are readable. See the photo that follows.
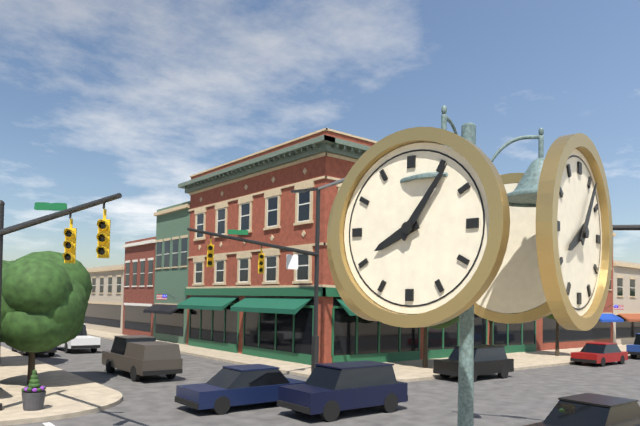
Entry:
h=8 m=6
